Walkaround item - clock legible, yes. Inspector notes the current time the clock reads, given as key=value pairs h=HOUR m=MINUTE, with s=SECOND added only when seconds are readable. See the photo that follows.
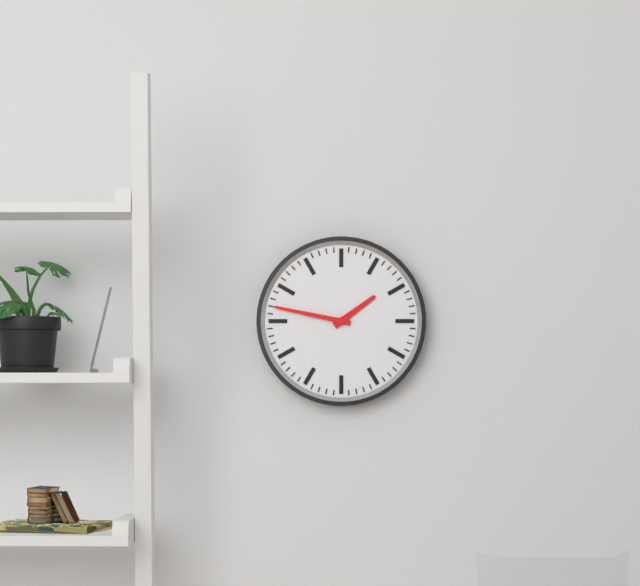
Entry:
h=1 m=47
